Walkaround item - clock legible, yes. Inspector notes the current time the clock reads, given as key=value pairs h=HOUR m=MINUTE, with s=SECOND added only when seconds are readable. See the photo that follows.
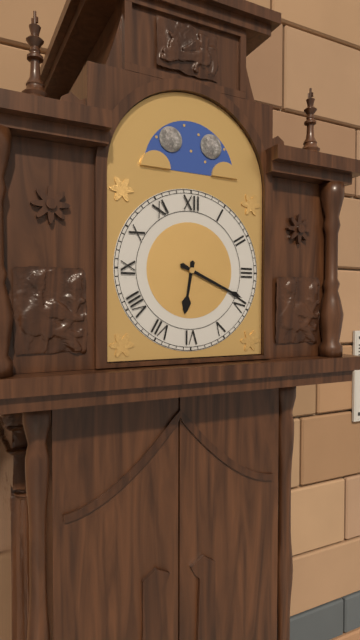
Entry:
h=6 m=19
